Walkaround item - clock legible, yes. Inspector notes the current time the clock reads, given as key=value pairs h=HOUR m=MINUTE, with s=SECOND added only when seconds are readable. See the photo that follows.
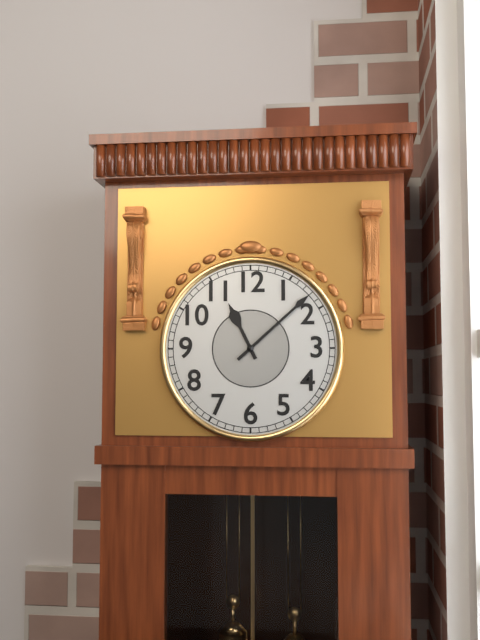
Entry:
h=11 m=8
